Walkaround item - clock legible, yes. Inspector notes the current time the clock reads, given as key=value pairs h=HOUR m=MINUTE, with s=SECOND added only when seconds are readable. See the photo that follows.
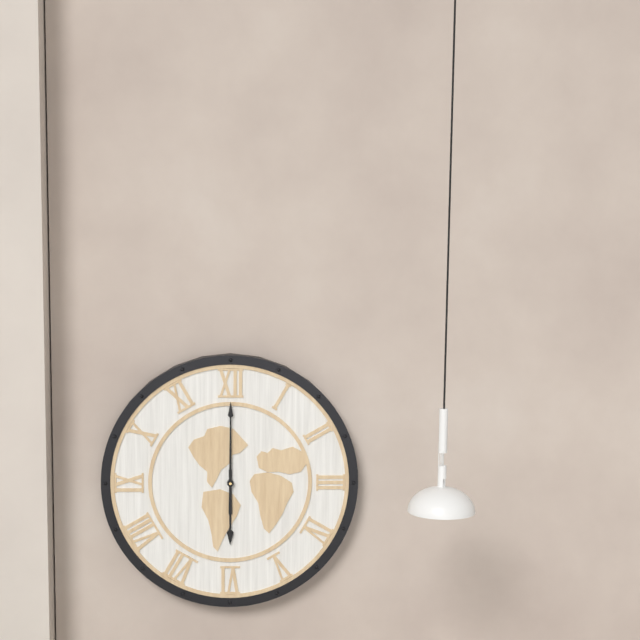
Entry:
h=6 m=0
